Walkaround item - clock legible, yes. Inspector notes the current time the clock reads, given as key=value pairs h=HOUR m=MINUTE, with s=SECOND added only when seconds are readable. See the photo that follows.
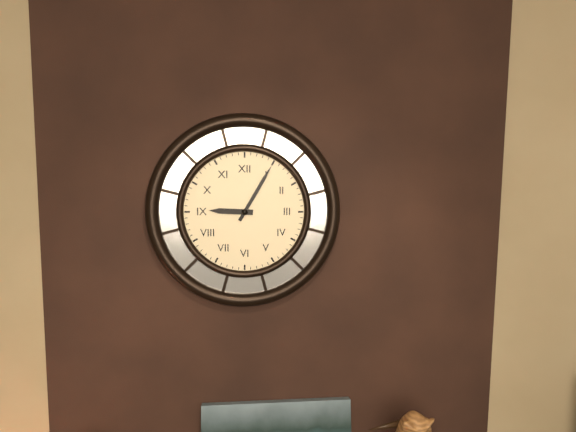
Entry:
h=9 m=5
